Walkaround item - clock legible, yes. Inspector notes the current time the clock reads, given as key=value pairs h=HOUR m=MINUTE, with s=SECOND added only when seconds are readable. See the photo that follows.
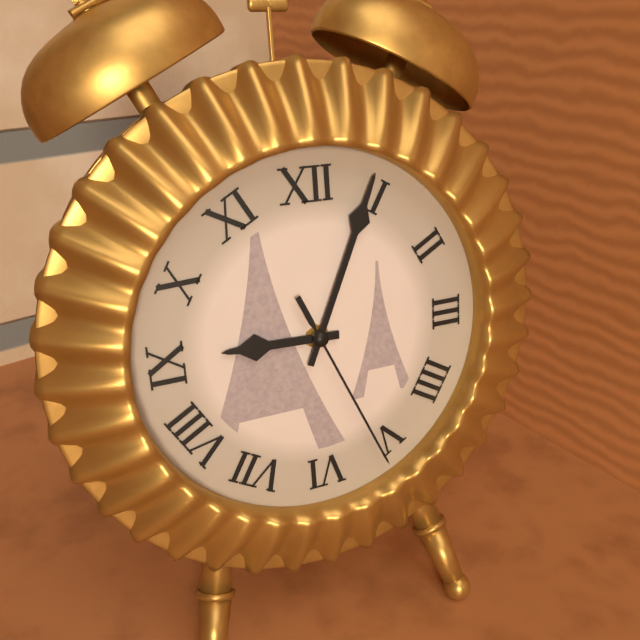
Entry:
h=9 m=4 s=26
